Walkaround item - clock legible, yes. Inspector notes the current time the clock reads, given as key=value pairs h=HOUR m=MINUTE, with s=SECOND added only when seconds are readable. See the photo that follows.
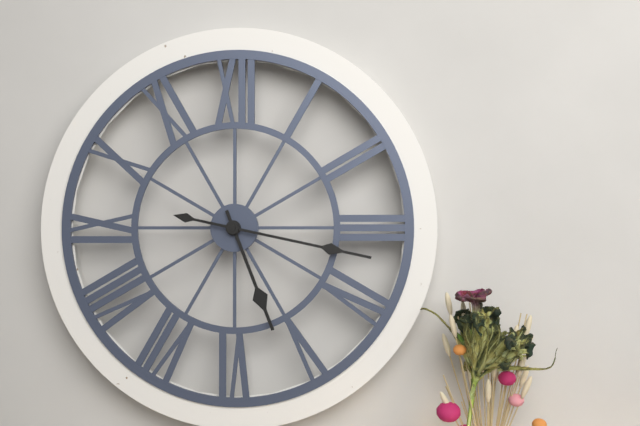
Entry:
h=5 m=17
